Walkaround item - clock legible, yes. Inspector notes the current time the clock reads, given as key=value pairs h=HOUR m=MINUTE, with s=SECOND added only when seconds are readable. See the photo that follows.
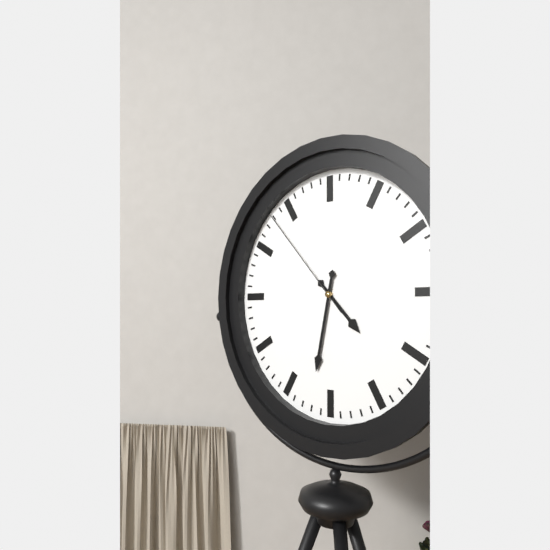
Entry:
h=4 m=32 s=53
